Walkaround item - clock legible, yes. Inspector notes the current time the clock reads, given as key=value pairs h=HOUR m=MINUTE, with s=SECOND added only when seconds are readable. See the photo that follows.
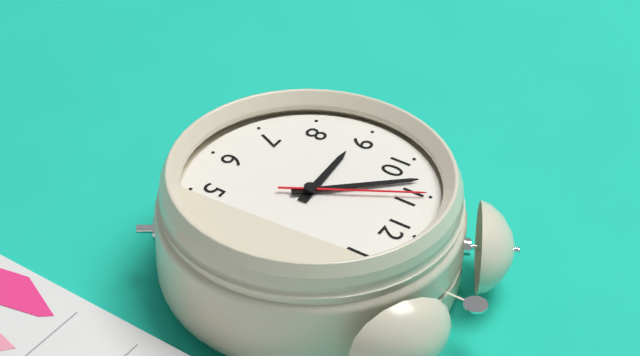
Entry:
h=8 m=53 s=55
